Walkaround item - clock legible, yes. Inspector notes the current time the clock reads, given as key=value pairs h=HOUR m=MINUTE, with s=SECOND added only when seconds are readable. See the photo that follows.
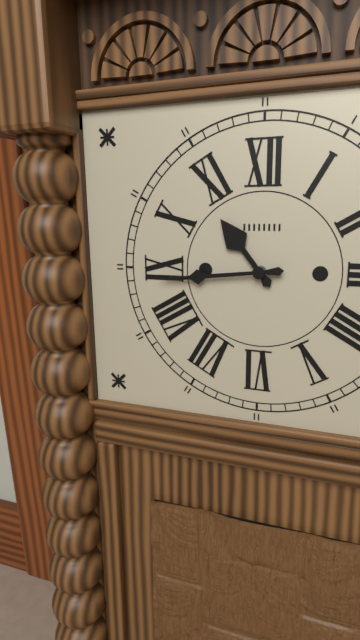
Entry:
h=10 m=44
